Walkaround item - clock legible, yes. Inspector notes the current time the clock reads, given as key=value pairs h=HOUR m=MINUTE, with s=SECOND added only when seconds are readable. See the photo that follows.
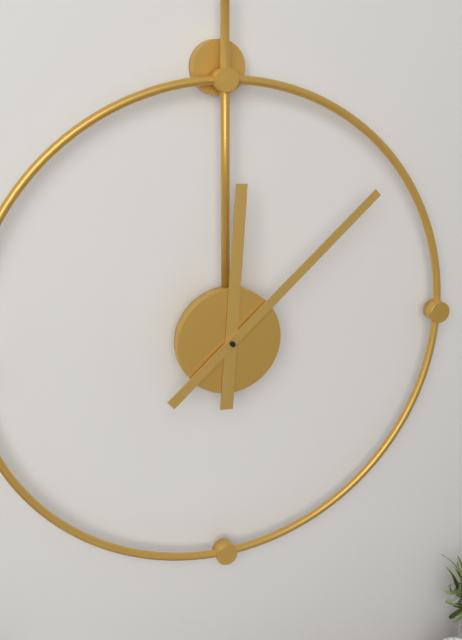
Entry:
h=12 m=8
